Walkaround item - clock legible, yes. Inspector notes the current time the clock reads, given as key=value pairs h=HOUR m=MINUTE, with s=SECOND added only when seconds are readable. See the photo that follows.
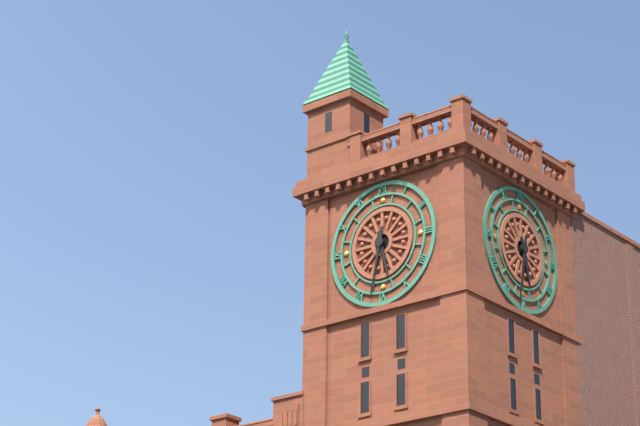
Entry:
h=5 m=32
